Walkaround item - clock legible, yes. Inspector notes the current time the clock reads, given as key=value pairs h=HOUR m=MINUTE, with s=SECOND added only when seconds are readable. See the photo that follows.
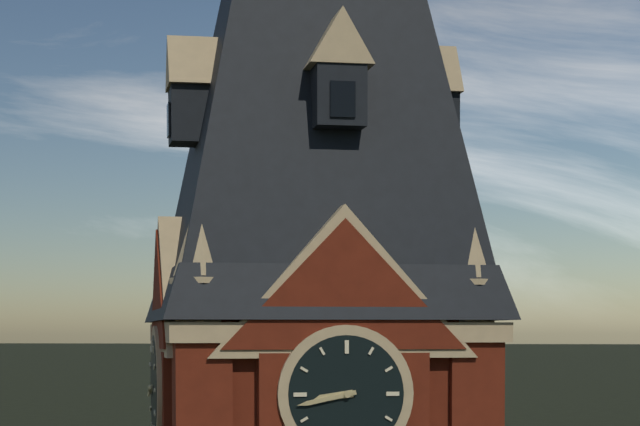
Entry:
h=8 m=43
